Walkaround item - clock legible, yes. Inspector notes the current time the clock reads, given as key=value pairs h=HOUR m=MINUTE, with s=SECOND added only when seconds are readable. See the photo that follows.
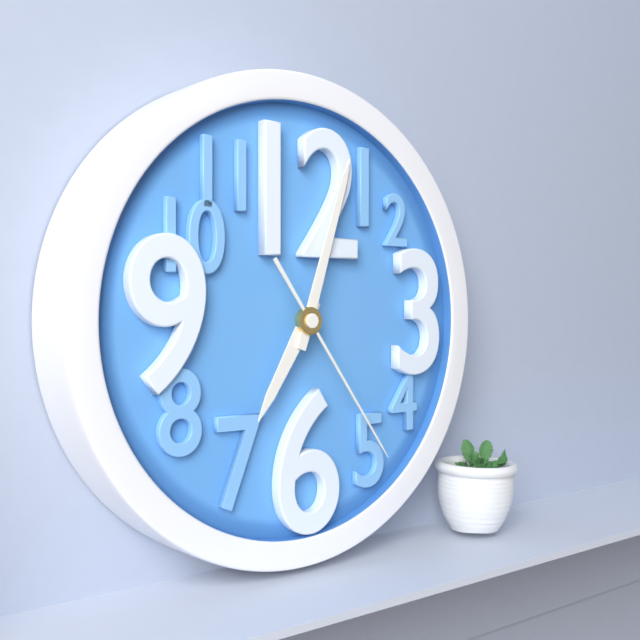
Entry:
h=7 m=3 s=24
